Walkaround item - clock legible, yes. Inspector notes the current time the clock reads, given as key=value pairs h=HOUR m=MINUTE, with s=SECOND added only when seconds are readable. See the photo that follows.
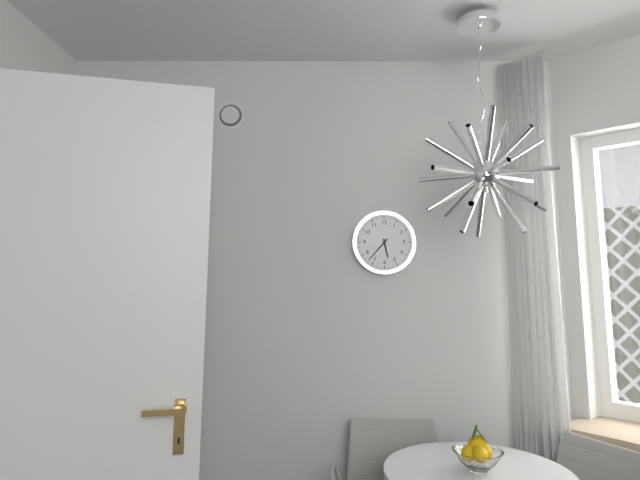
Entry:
h=5 m=37
